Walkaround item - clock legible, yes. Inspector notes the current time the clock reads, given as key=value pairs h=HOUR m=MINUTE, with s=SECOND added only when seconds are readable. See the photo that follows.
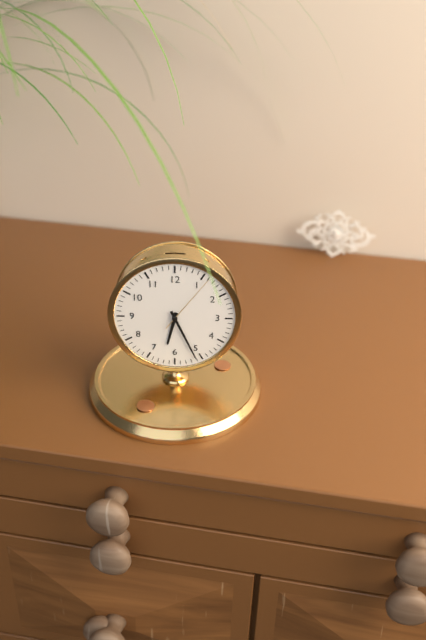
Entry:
h=6 m=26 s=6
